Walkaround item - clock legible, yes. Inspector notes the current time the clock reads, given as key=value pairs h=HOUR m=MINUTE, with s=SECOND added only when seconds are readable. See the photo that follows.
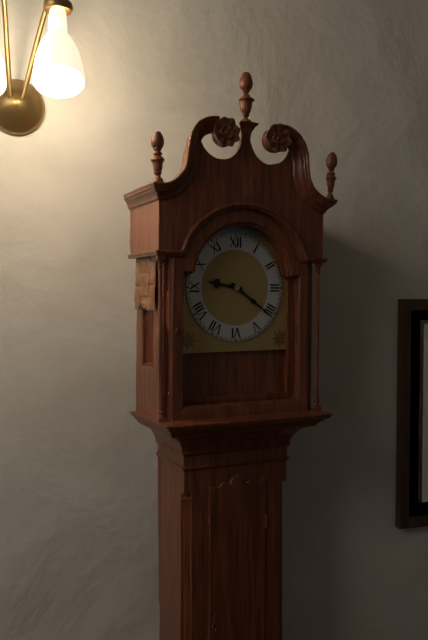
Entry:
h=9 m=21
